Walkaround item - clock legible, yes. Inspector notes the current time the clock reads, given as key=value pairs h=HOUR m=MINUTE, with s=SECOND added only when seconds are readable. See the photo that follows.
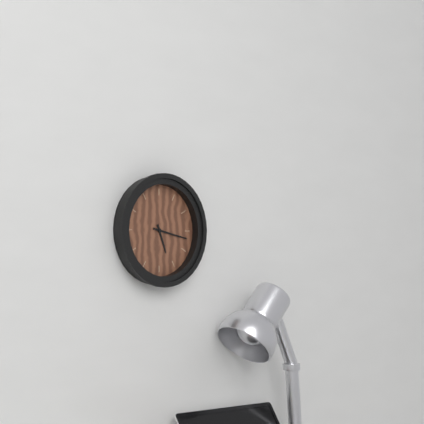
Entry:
h=5 m=17
